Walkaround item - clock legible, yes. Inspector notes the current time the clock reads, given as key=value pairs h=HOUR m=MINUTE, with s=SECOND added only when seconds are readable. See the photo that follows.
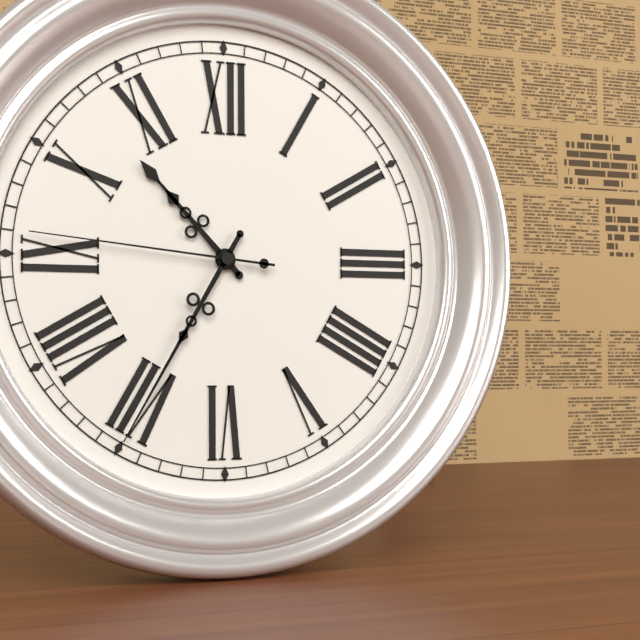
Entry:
h=10 m=35 s=46
